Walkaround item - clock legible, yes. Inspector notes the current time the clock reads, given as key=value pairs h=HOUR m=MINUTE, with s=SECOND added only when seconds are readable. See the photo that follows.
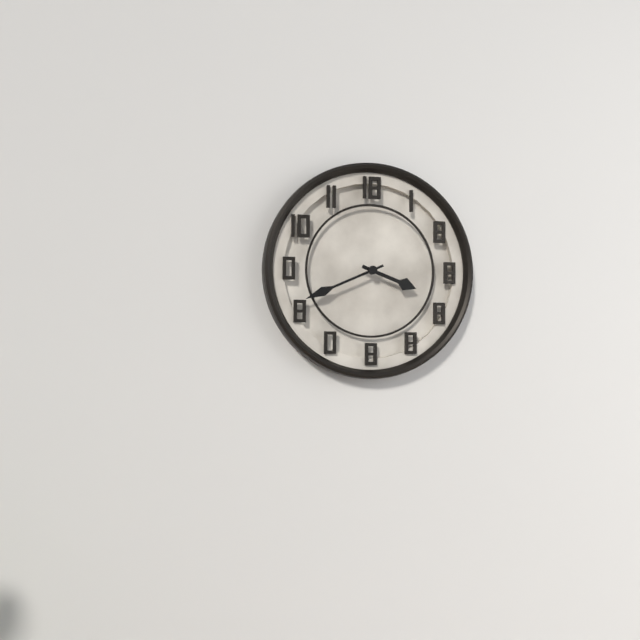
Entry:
h=3 m=41
